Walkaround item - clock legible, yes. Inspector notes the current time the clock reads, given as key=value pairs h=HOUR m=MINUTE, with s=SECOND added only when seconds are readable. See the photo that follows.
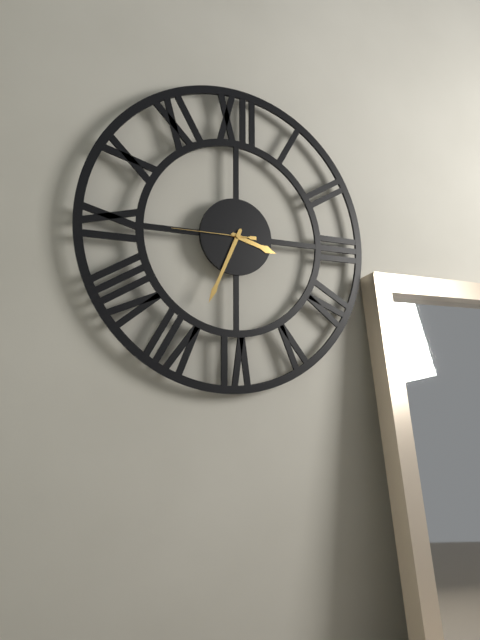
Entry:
h=3 m=34 s=45
